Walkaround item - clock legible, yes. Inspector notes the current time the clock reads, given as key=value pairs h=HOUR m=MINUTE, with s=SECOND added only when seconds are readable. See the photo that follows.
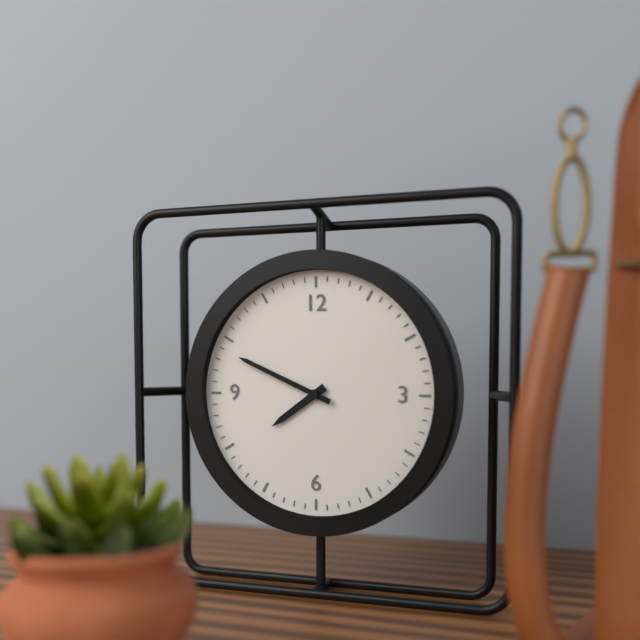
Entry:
h=7 m=49
